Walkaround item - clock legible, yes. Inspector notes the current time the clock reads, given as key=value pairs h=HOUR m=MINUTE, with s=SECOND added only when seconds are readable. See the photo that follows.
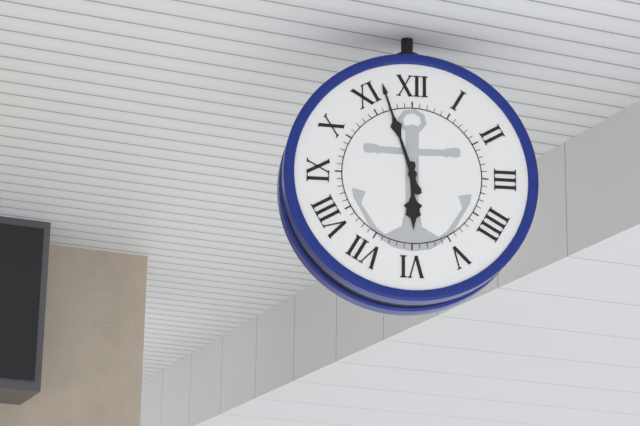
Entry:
h=5 m=57
